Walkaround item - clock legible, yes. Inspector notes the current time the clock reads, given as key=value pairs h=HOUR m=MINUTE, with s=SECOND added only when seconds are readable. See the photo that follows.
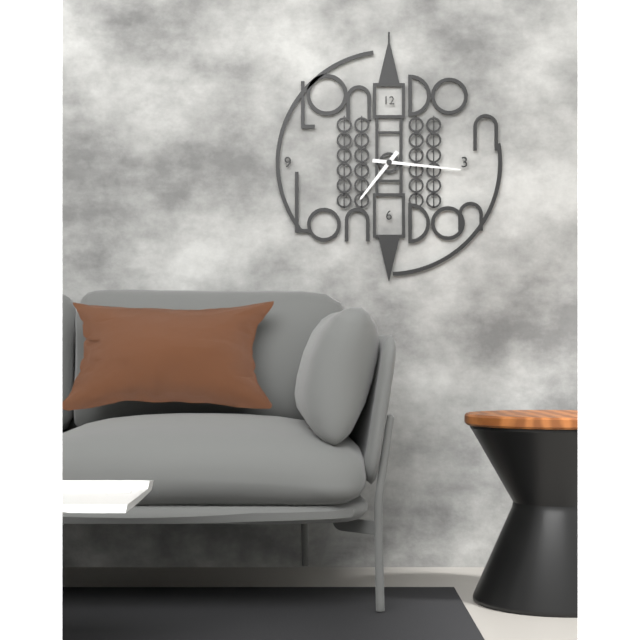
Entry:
h=7 m=16
